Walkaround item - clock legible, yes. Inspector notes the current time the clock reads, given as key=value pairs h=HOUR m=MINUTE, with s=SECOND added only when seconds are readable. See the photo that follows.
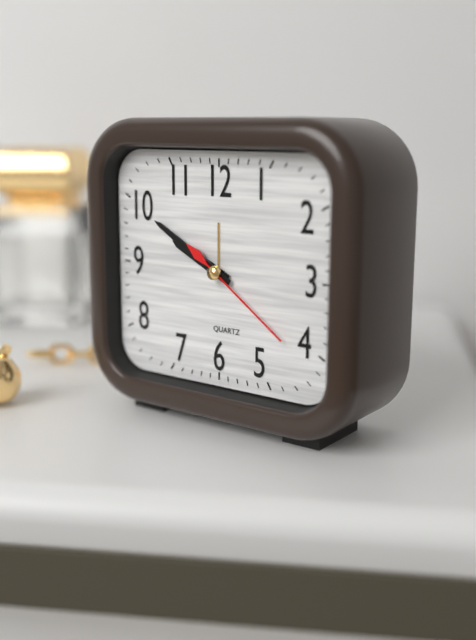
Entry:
h=9 m=50 s=21
